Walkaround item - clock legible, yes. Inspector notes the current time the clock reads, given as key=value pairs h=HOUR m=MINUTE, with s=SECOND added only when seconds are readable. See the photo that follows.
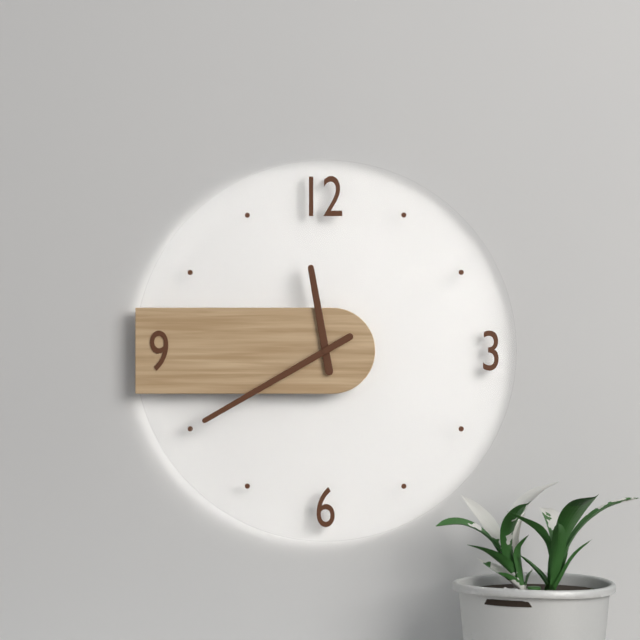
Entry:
h=11 m=40
